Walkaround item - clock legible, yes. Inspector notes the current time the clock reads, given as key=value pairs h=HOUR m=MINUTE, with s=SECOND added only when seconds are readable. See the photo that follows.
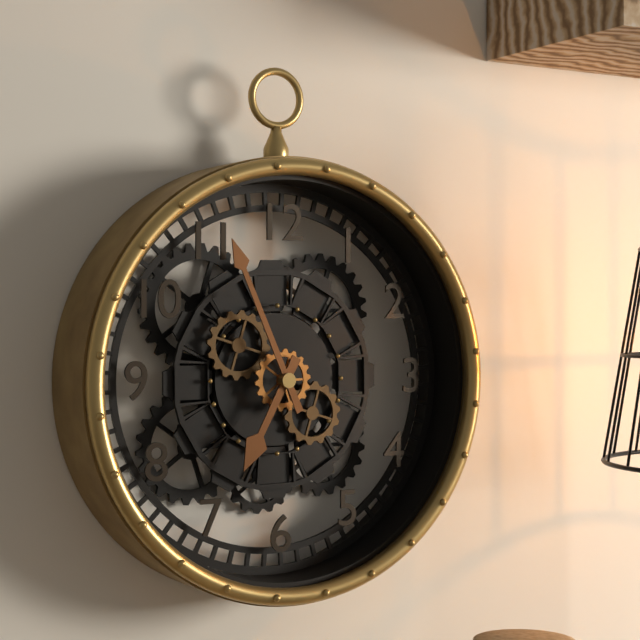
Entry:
h=6 m=56
